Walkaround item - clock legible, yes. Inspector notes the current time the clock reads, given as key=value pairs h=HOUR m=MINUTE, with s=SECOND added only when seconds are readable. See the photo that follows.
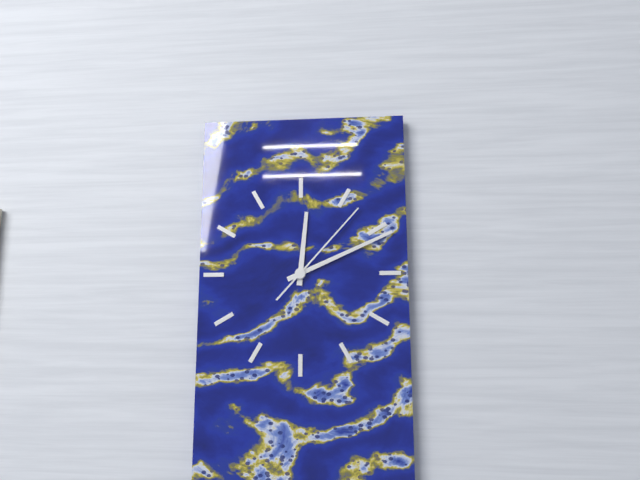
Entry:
h=12 m=11 s=7
